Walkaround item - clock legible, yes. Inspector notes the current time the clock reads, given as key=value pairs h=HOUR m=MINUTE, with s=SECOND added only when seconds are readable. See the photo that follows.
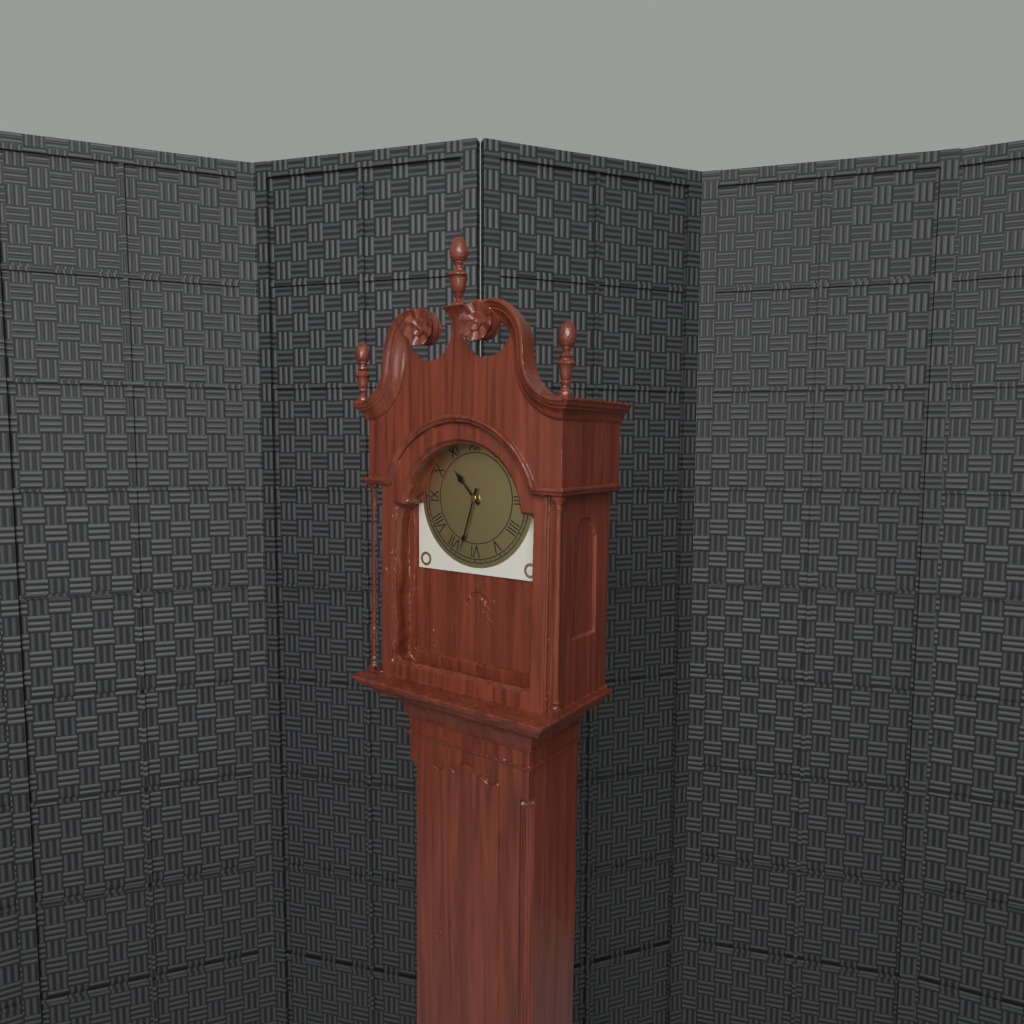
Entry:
h=10 m=33
